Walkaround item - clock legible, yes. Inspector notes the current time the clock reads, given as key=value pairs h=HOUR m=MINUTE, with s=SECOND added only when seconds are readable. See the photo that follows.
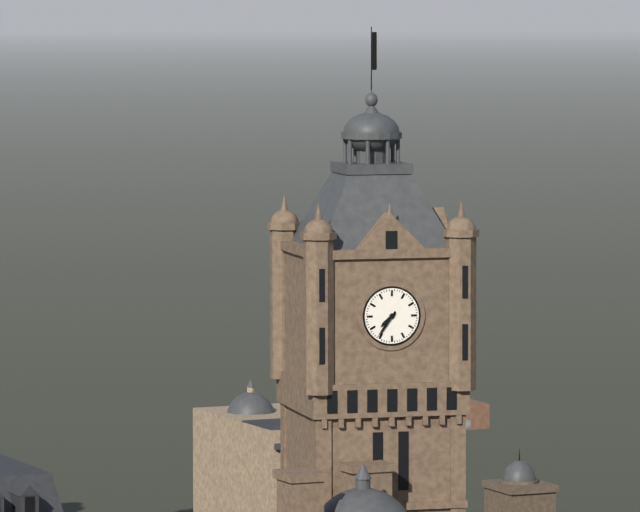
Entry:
h=7 m=36
